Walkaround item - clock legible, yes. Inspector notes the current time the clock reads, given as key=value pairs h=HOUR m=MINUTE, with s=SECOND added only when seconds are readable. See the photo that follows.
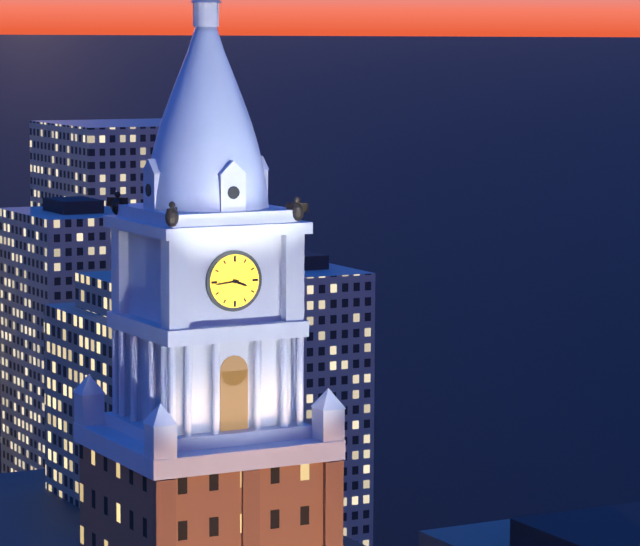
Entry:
h=3 m=44
